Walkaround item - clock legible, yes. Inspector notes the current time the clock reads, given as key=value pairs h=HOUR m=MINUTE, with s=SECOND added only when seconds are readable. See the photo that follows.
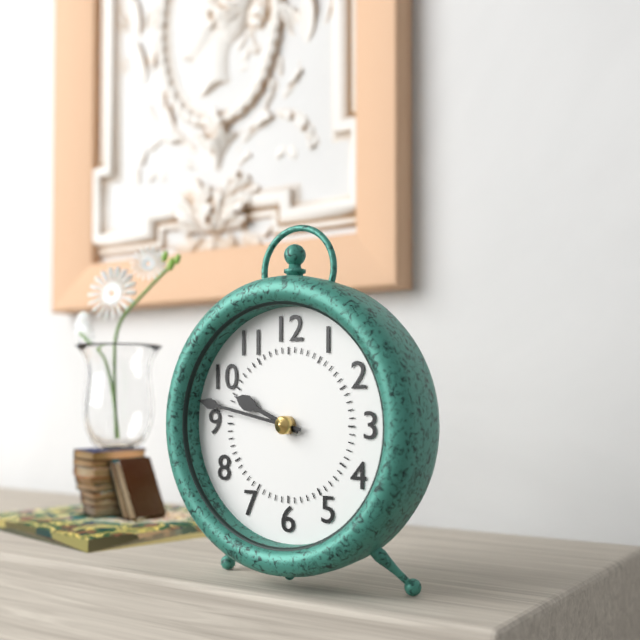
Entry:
h=9 m=47
